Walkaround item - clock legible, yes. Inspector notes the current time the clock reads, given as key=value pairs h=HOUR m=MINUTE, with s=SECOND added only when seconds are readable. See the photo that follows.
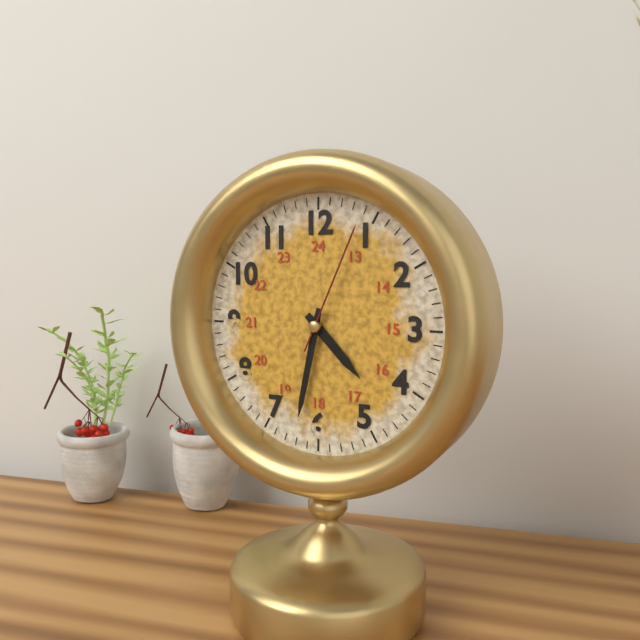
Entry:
h=4 m=32 s=4
